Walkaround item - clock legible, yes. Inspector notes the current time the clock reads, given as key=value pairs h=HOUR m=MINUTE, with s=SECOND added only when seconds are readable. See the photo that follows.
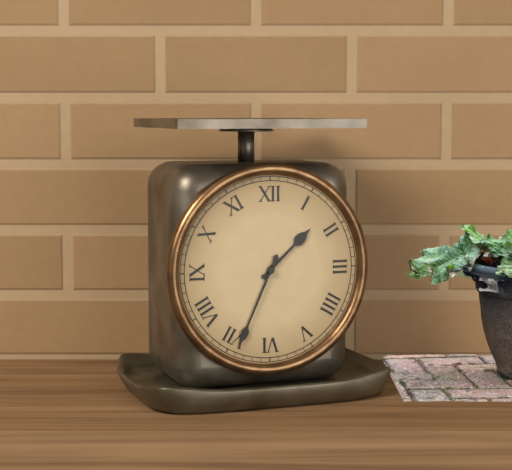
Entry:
h=1 m=34
